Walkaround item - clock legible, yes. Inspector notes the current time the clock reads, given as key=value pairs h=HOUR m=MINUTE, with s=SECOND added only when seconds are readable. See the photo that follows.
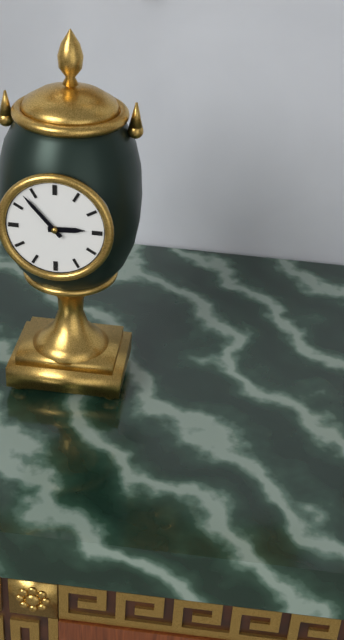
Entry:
h=2 m=53
